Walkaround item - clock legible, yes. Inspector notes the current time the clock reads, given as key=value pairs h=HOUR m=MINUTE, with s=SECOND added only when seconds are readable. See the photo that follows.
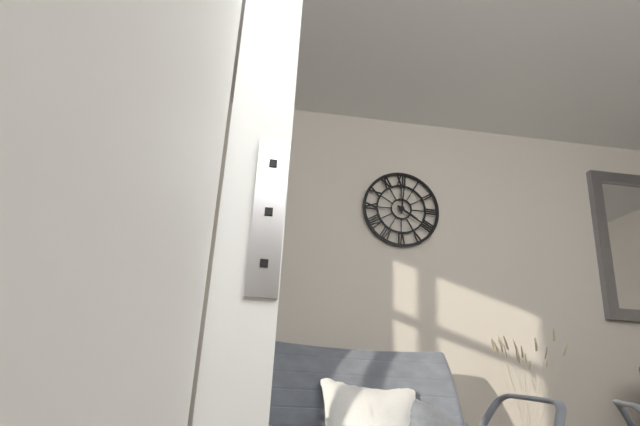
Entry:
h=4 m=1
